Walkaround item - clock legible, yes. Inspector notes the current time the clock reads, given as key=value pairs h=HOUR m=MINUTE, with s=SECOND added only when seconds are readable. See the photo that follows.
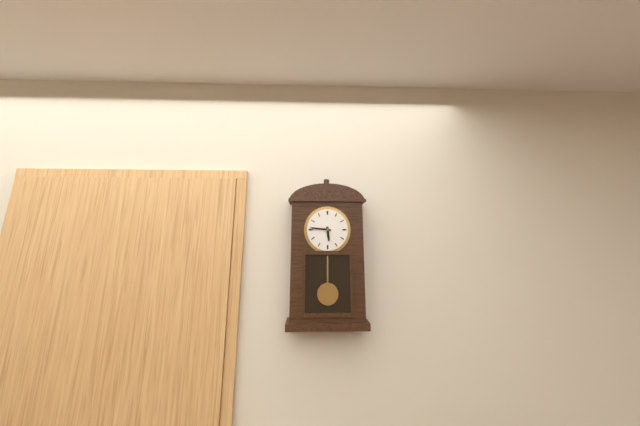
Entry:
h=5 m=46
